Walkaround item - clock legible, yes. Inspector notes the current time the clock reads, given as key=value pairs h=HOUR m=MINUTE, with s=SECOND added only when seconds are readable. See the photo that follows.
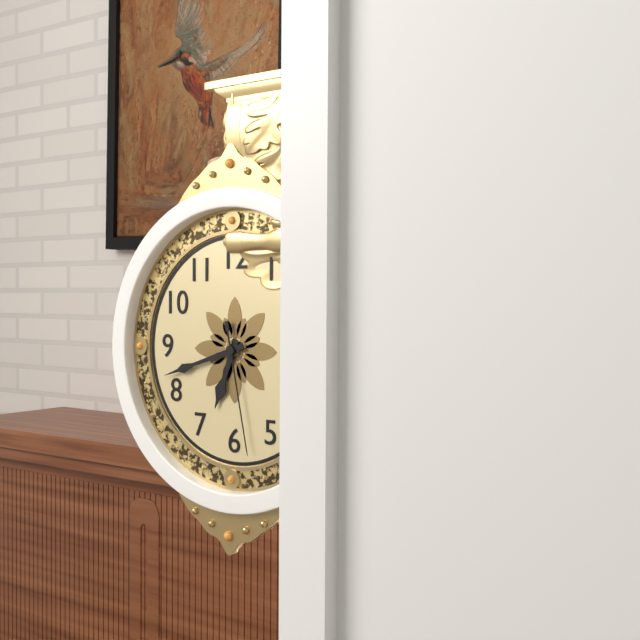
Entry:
h=6 m=42 s=28
